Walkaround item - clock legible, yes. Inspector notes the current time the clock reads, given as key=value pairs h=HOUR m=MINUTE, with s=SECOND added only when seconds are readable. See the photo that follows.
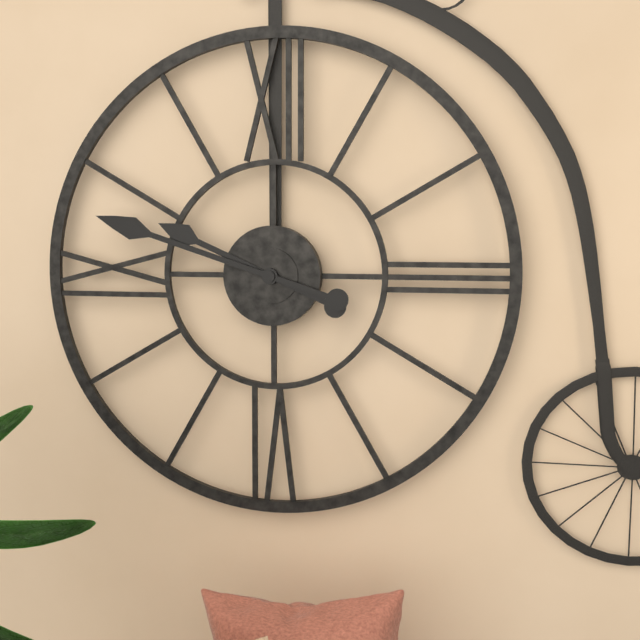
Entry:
h=9 m=48
